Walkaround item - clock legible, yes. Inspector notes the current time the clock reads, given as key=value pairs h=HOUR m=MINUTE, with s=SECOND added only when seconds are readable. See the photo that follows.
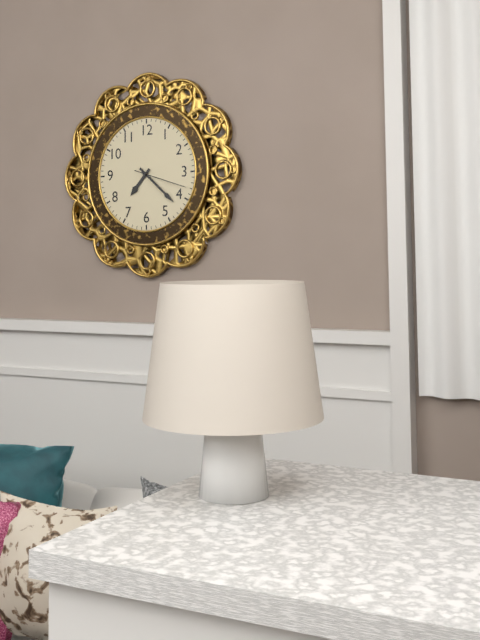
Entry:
h=7 m=22
